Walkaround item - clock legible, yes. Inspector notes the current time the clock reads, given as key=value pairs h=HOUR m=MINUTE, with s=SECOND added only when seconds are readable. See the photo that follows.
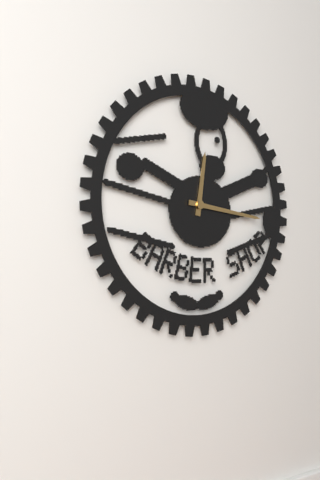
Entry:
h=12 m=16
